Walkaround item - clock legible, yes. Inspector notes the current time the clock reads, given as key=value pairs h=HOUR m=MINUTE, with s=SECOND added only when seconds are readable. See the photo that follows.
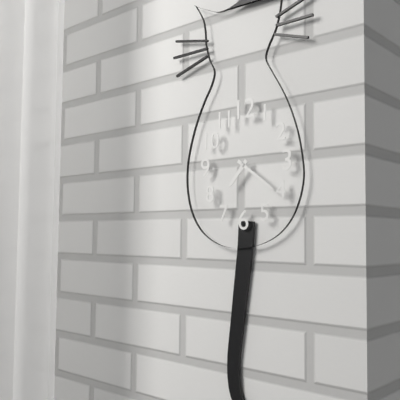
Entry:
h=7 m=21
